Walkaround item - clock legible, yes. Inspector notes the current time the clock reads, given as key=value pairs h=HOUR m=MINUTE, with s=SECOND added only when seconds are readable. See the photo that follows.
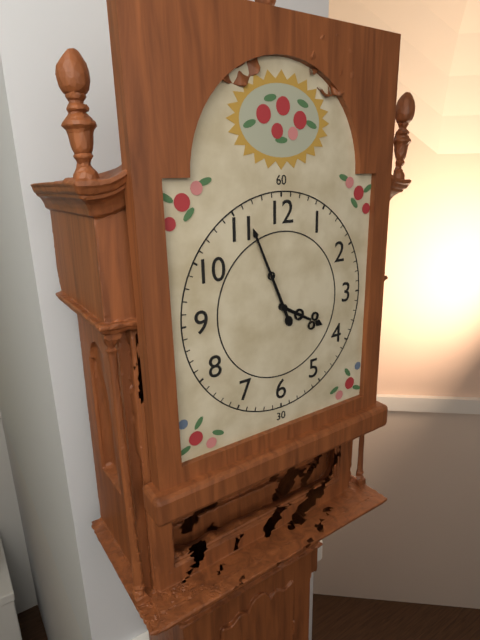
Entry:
h=3 m=56
